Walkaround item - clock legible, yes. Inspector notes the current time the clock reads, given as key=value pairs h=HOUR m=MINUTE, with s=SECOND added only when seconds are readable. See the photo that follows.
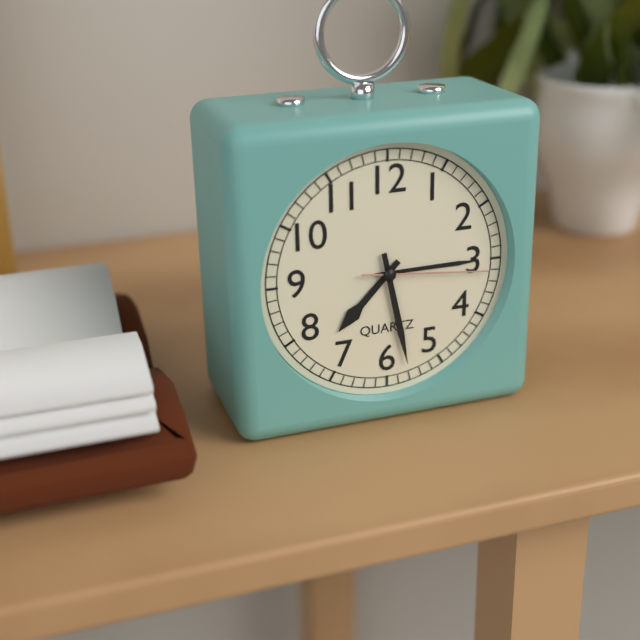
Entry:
h=7 m=28 s=16
